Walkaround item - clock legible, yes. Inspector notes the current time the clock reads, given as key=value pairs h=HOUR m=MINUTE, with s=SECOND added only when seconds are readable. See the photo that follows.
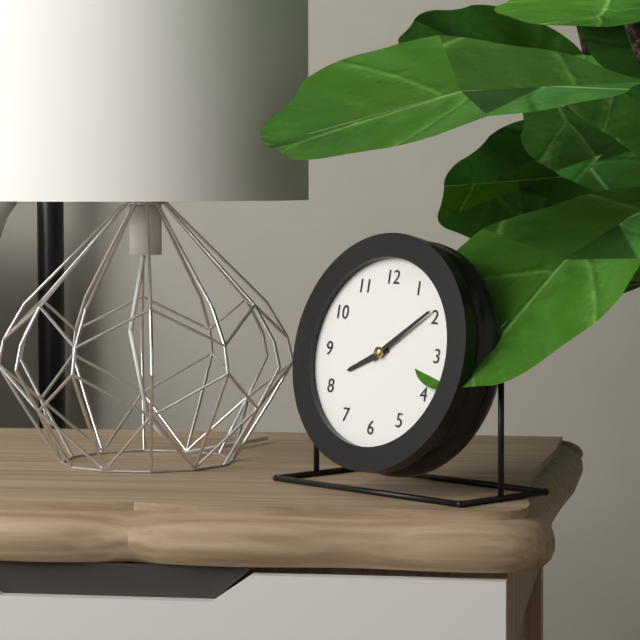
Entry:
h=8 m=9
